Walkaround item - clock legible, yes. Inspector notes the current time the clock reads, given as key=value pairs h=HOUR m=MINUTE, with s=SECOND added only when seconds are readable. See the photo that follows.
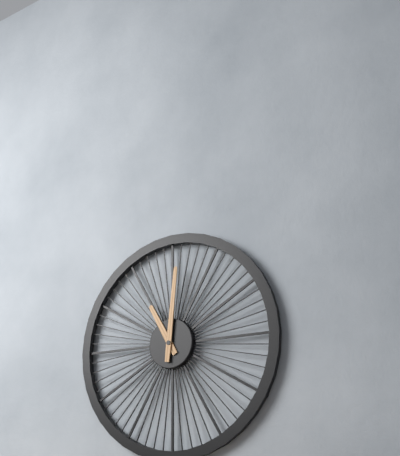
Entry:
h=11 m=1
